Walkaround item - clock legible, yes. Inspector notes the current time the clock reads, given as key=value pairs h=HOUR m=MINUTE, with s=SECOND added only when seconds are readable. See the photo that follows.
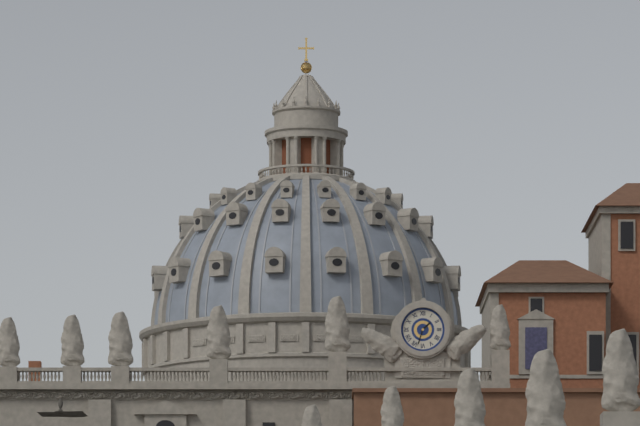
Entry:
h=1 m=33
